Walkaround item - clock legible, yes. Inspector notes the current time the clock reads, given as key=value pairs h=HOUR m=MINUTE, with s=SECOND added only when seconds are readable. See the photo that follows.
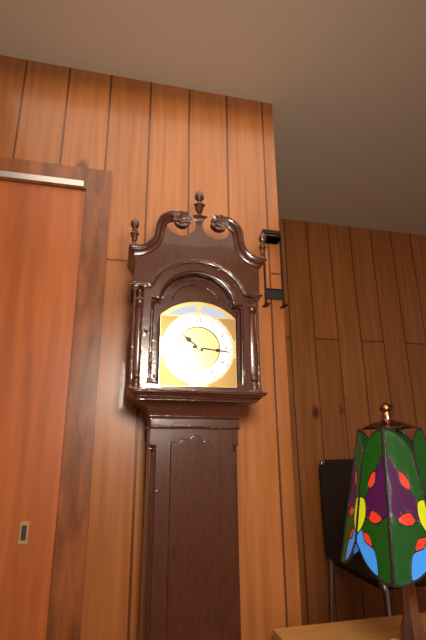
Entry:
h=10 m=16
